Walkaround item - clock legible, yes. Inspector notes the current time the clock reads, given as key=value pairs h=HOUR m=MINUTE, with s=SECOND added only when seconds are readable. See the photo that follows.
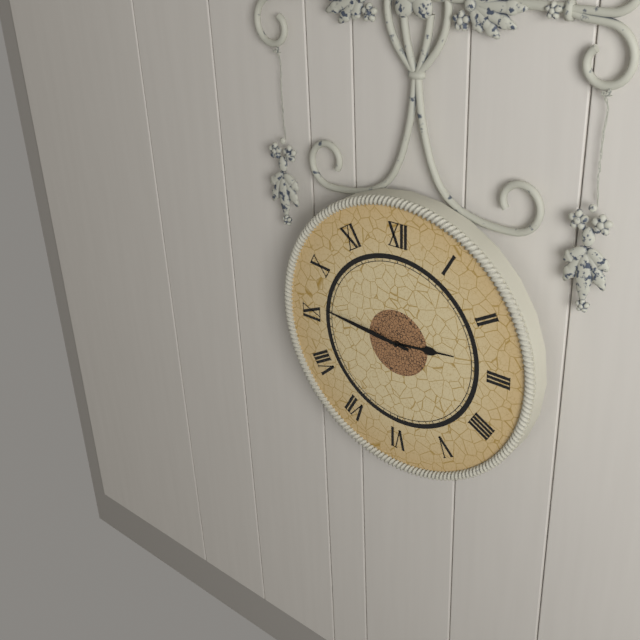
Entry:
h=2 m=46
